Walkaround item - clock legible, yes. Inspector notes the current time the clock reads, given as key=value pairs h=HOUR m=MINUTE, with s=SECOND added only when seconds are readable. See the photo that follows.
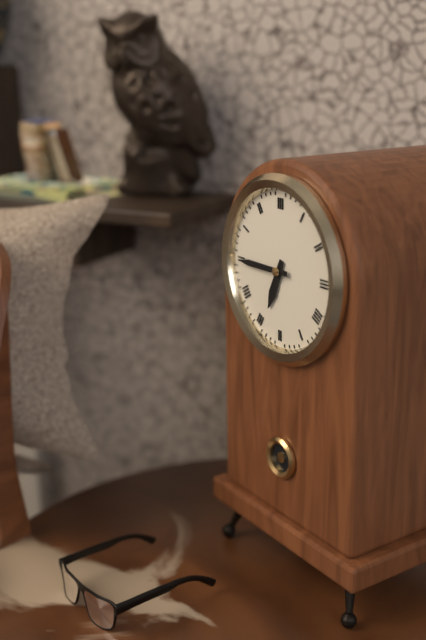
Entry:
h=6 m=45
